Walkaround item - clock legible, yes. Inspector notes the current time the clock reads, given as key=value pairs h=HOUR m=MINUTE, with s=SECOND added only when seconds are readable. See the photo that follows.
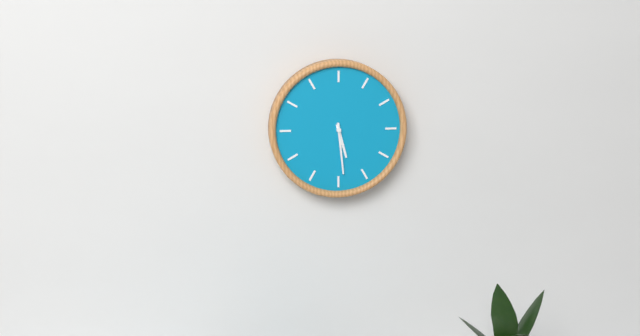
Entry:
h=5 m=29
